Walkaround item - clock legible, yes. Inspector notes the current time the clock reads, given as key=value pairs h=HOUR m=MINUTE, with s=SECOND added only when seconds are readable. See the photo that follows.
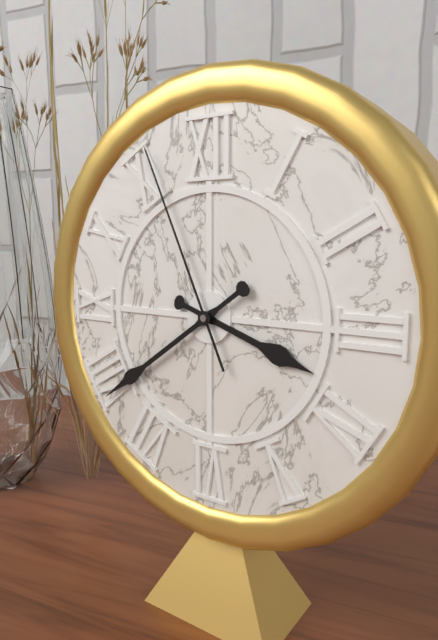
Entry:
h=3 m=39 s=56
